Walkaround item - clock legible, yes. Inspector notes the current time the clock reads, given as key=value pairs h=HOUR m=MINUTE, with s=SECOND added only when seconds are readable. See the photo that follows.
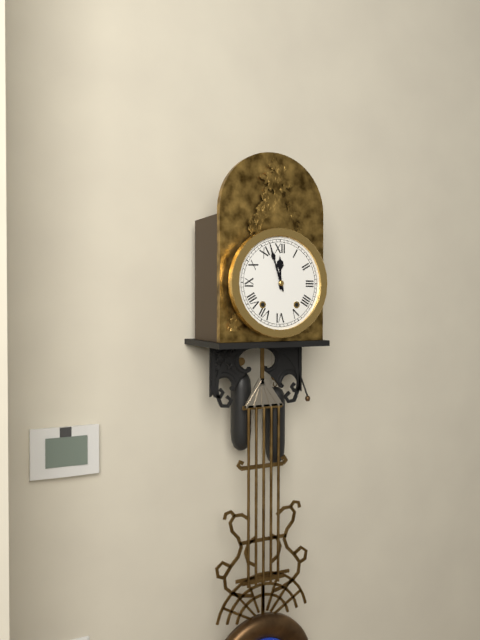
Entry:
h=11 m=57
